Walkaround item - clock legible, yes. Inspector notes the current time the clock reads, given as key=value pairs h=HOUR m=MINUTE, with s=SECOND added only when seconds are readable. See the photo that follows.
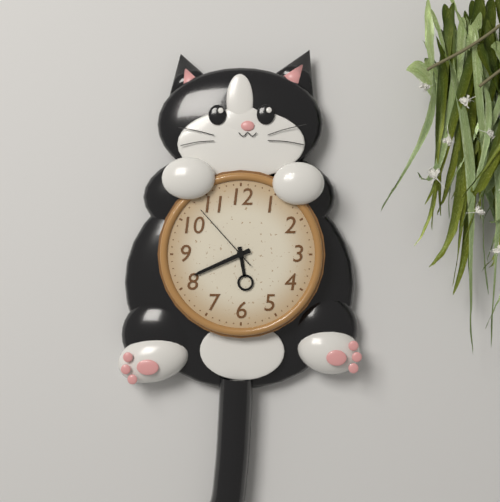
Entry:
h=5 m=41 s=53
